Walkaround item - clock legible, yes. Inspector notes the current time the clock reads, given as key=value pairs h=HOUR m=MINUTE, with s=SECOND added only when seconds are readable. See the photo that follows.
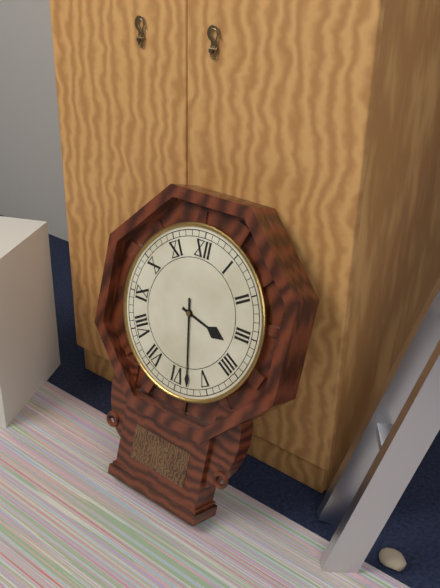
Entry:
h=3 m=28
